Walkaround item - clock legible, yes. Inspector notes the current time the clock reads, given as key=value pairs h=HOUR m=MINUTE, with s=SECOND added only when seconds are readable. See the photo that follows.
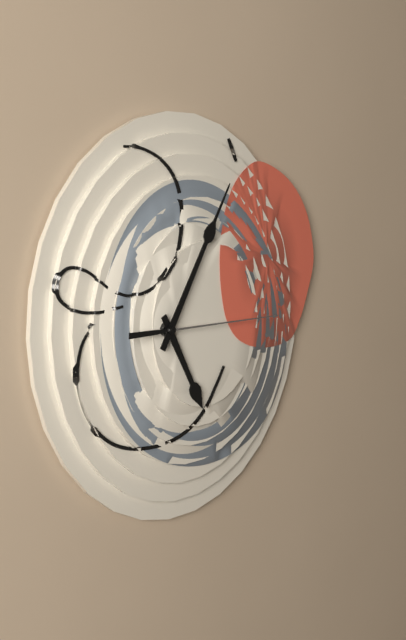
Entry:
h=5 m=5 s=15
